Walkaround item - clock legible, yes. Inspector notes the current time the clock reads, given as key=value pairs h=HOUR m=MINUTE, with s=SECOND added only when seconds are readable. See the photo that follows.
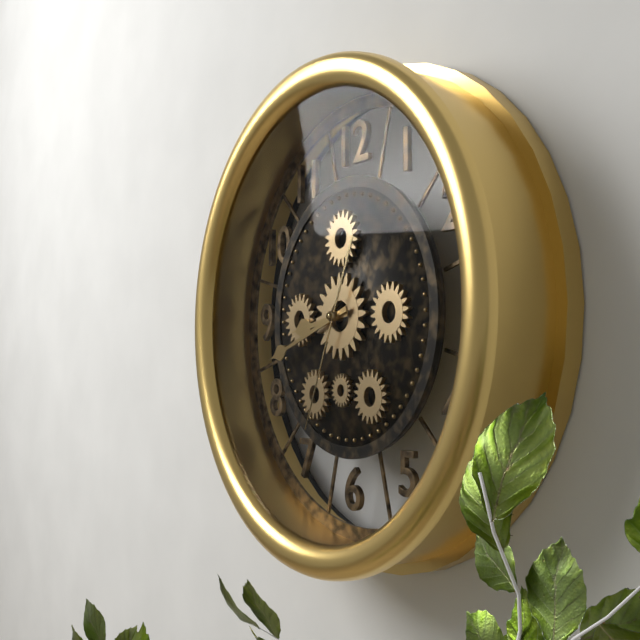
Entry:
h=8 m=42 s=34
